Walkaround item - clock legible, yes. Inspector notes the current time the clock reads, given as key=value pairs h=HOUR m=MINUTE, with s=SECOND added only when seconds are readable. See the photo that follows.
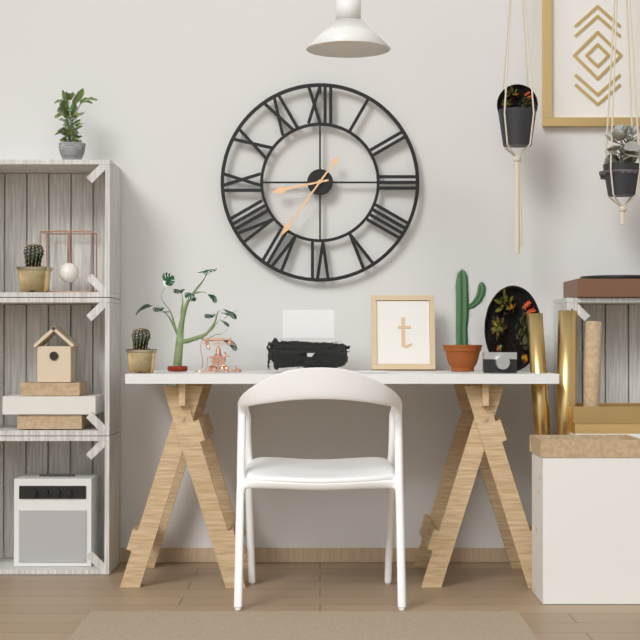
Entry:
h=8 m=36
